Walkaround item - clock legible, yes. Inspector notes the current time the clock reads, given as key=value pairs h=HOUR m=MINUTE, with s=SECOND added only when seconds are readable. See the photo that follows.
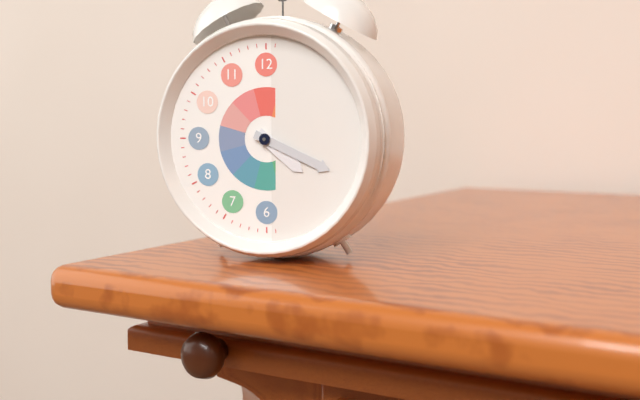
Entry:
h=4 m=19
